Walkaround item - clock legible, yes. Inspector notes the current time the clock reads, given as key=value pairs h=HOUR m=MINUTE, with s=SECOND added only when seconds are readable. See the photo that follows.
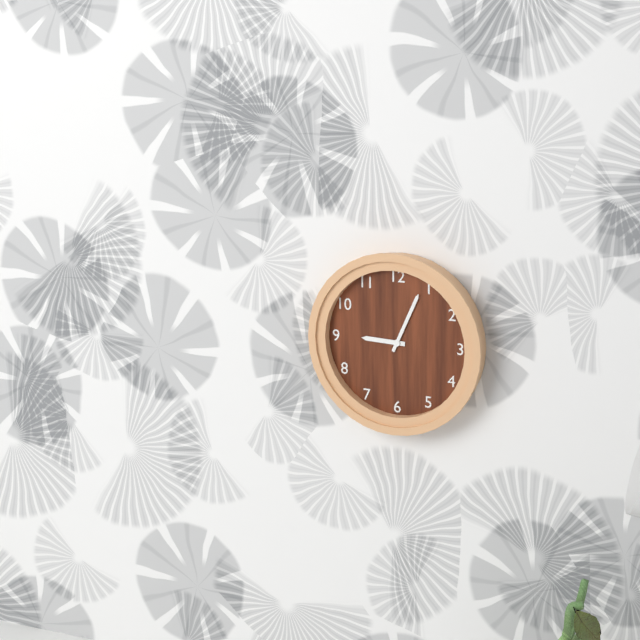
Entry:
h=9 m=4
